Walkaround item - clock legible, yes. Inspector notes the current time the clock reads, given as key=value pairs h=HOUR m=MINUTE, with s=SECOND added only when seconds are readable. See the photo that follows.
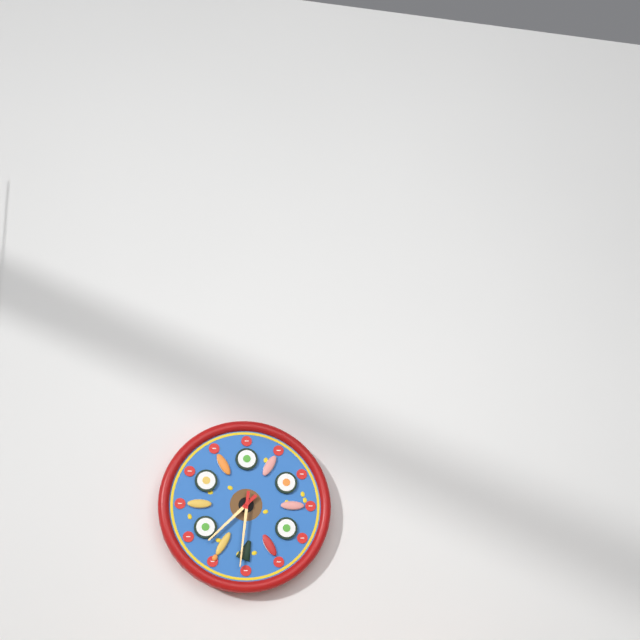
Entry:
h=7 m=31
